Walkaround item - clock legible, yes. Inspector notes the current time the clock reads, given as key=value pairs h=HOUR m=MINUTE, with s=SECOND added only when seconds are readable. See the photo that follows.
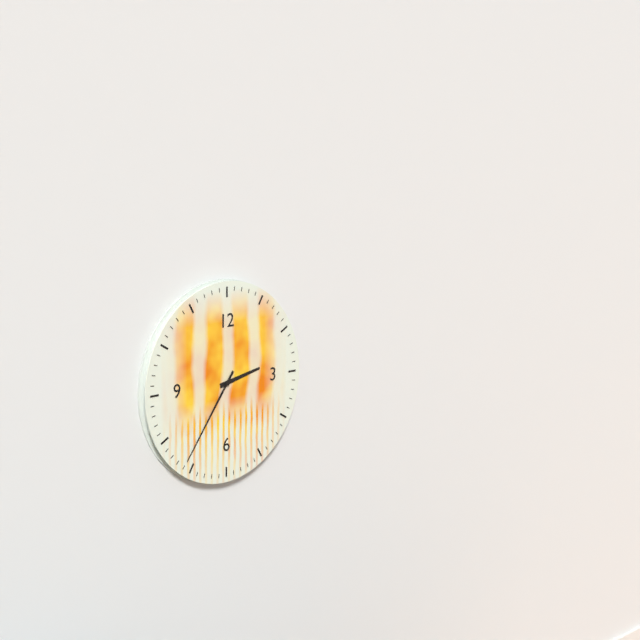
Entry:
h=2 m=36
